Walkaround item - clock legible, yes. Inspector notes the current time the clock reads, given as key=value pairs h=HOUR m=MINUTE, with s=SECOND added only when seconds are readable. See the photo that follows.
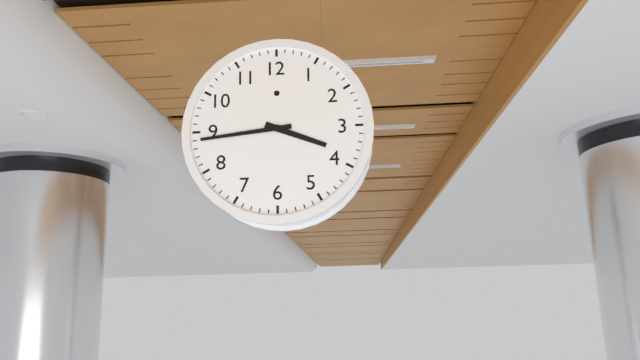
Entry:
h=3 m=44
